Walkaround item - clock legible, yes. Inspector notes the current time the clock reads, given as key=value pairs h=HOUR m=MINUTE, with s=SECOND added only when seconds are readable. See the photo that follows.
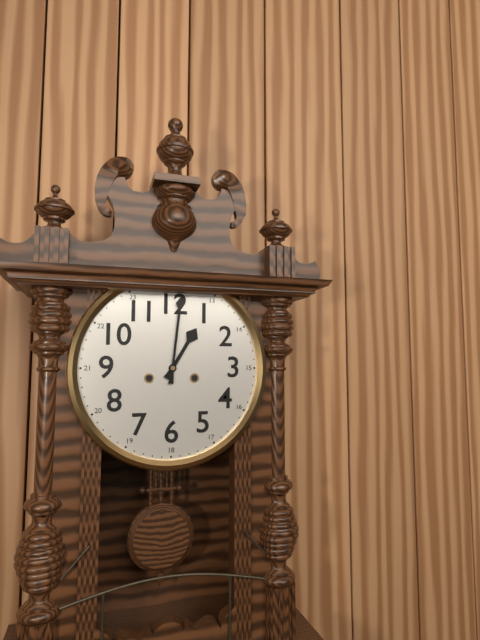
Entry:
h=1 m=1
